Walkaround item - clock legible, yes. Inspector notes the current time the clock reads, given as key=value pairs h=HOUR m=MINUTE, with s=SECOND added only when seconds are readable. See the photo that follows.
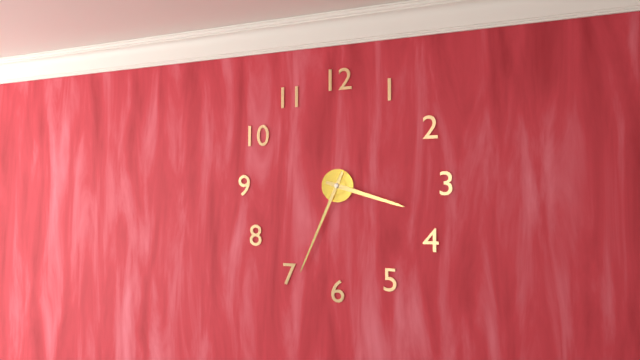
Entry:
h=3 m=34
